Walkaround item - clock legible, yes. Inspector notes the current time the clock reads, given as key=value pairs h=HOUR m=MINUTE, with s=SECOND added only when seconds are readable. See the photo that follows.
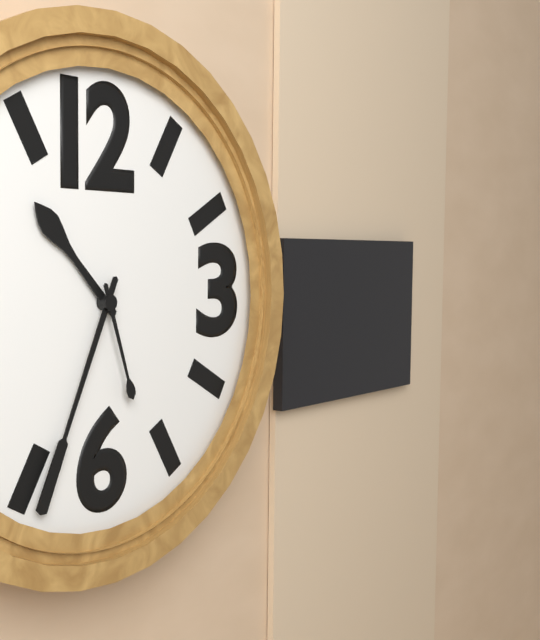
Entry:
h=10 m=34 s=27
